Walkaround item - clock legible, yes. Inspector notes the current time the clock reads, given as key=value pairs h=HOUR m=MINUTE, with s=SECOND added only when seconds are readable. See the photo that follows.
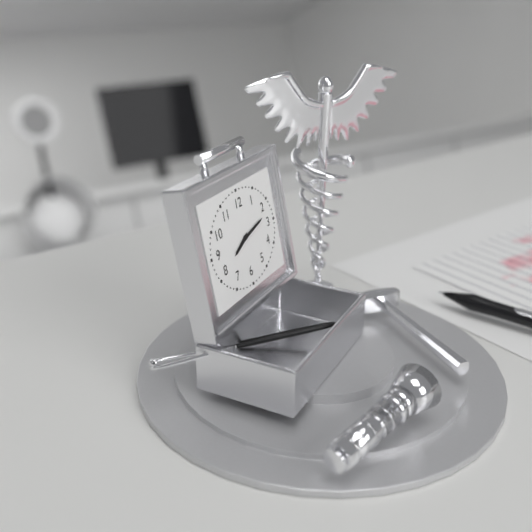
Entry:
h=8 m=13
